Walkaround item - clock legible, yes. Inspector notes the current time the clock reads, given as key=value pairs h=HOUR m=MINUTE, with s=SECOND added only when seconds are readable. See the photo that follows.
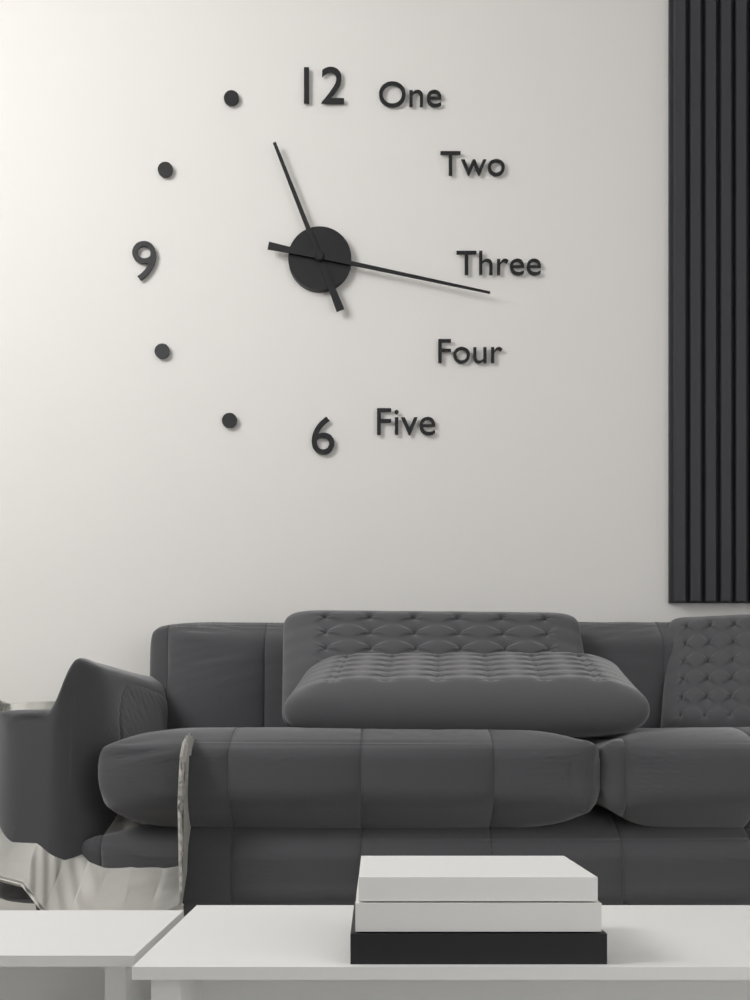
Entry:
h=11 m=17
